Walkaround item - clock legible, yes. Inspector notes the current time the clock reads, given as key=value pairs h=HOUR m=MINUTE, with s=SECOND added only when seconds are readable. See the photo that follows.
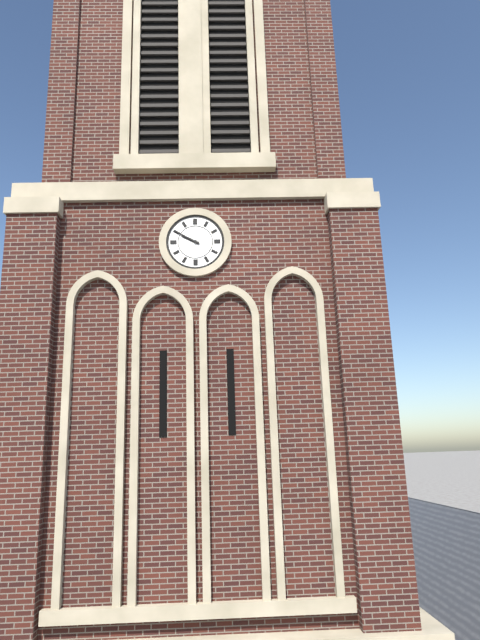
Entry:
h=9 m=50
